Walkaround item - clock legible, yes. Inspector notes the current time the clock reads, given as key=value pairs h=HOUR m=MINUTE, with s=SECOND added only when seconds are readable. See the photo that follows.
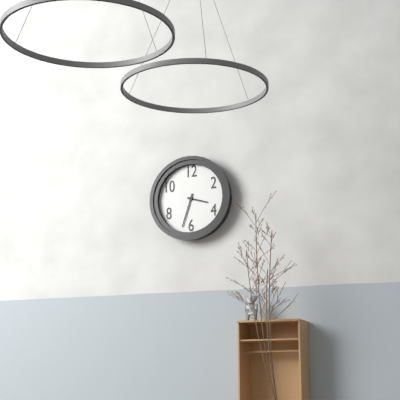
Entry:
h=3 m=33
